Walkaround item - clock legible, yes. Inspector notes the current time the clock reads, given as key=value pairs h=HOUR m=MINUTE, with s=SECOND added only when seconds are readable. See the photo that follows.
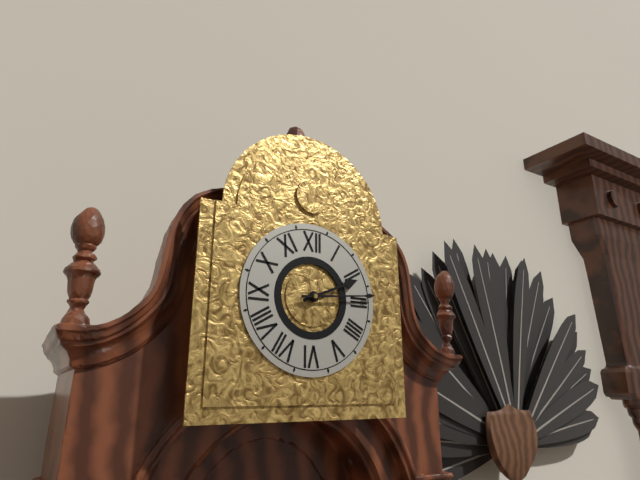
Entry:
h=2 m=14
